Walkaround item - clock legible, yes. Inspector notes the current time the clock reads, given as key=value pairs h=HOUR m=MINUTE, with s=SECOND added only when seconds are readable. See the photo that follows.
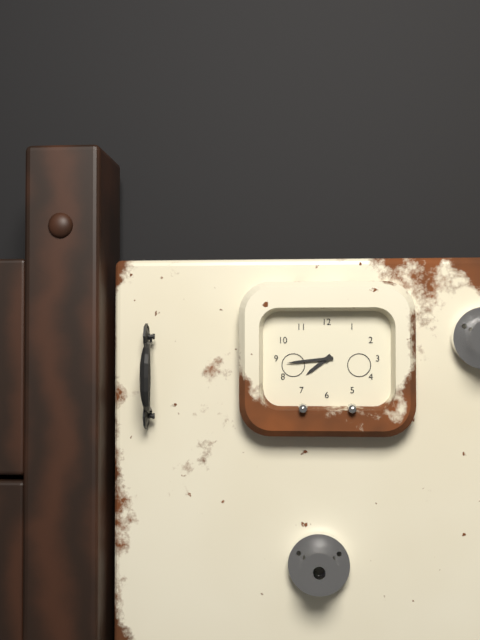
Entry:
h=7 m=44
